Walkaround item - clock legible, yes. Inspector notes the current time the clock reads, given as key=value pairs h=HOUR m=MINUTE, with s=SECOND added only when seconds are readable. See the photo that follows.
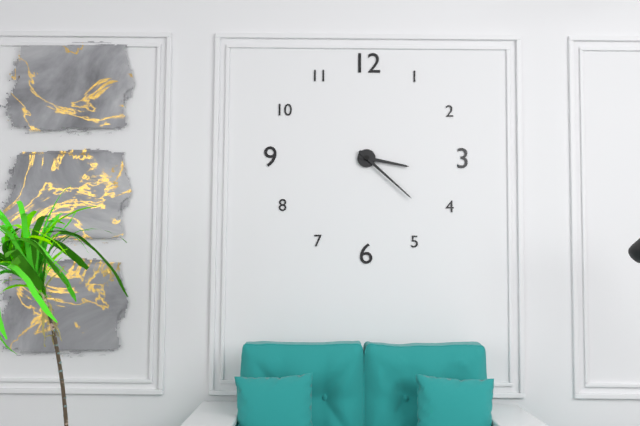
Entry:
h=3 m=22
